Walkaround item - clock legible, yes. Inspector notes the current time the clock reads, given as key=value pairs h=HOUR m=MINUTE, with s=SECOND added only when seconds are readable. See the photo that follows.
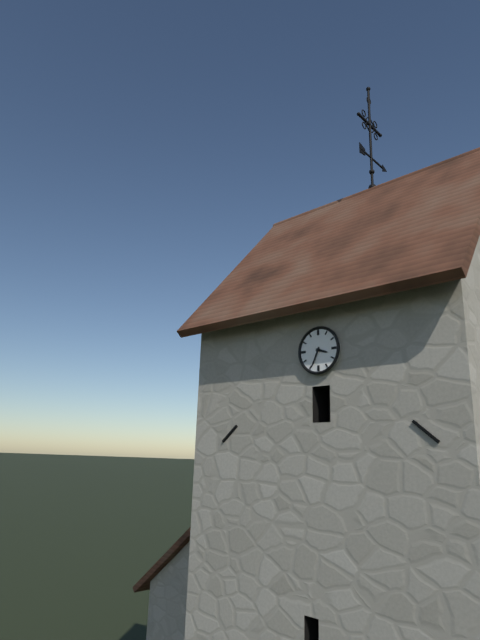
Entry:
h=3 m=34
